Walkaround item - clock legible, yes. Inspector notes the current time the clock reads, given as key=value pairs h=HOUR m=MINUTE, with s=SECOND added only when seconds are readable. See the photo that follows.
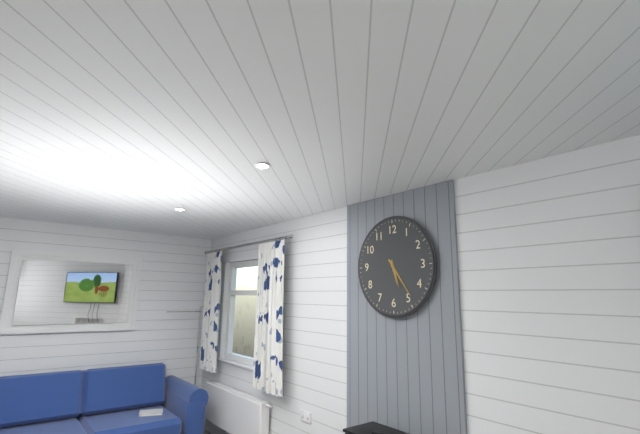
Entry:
h=5 m=24
